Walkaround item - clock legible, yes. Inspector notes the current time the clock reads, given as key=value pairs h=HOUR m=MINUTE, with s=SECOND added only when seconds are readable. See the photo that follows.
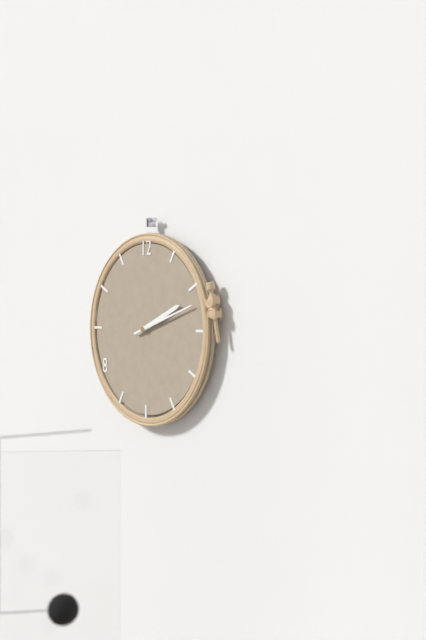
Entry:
h=2 m=12
